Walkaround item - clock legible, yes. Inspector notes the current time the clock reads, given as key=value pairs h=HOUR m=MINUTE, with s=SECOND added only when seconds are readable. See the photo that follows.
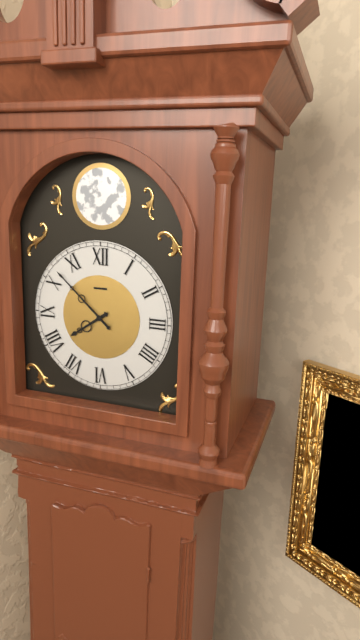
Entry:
h=7 m=52
